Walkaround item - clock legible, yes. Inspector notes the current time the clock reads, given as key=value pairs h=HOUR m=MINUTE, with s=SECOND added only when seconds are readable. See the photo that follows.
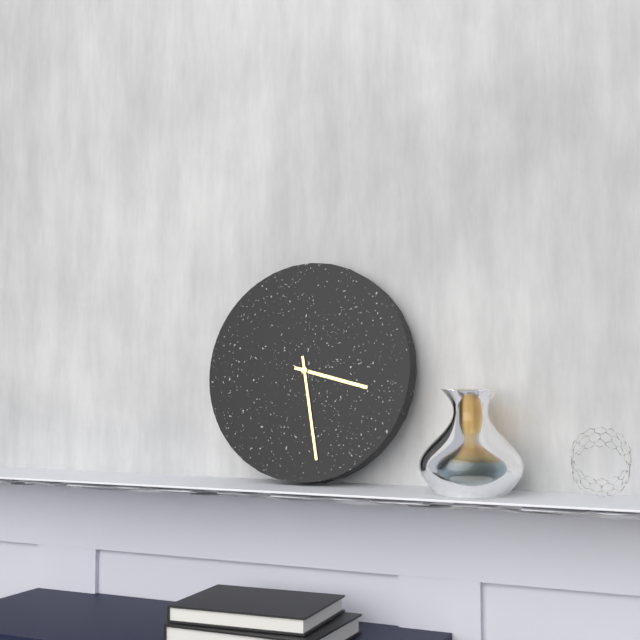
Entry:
h=3 m=28
